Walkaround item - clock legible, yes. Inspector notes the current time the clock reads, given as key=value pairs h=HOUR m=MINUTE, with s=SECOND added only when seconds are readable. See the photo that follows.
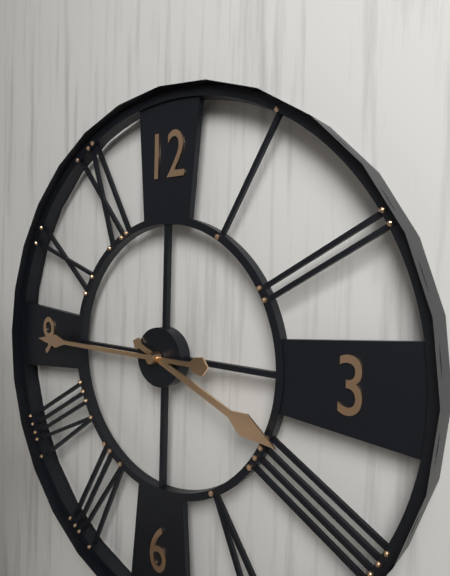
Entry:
h=3 m=45
